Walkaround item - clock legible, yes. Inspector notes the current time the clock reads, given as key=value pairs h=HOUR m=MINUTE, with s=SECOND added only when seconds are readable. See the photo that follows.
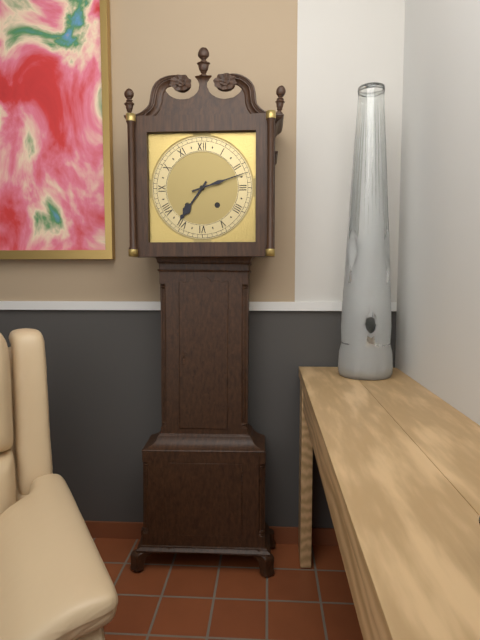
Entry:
h=7 m=12
